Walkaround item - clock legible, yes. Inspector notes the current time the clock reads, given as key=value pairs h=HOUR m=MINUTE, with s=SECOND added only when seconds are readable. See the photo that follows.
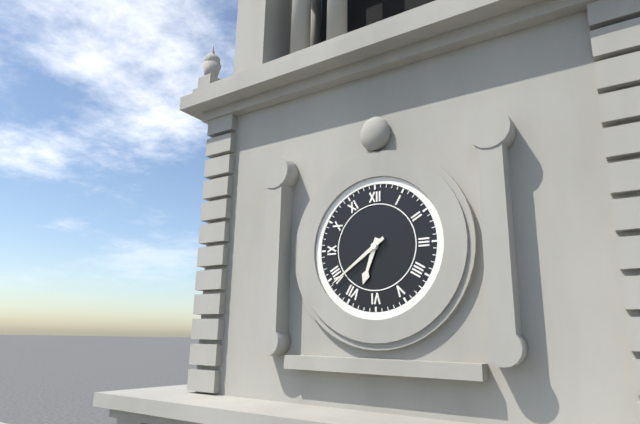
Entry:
h=6 m=39
